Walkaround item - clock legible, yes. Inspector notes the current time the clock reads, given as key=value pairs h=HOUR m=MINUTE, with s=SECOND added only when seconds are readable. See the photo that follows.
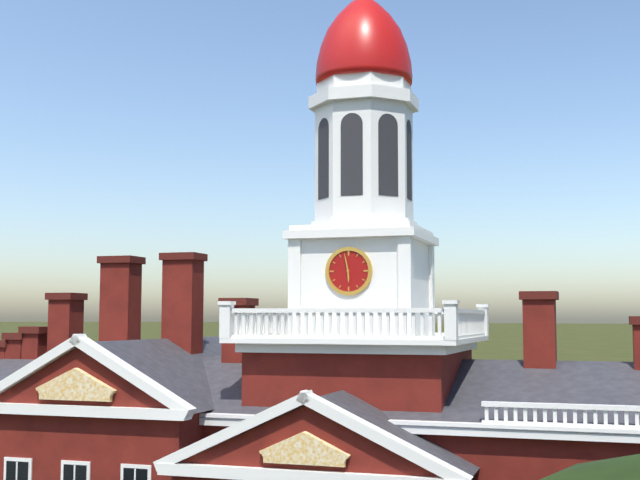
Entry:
h=5 m=58
